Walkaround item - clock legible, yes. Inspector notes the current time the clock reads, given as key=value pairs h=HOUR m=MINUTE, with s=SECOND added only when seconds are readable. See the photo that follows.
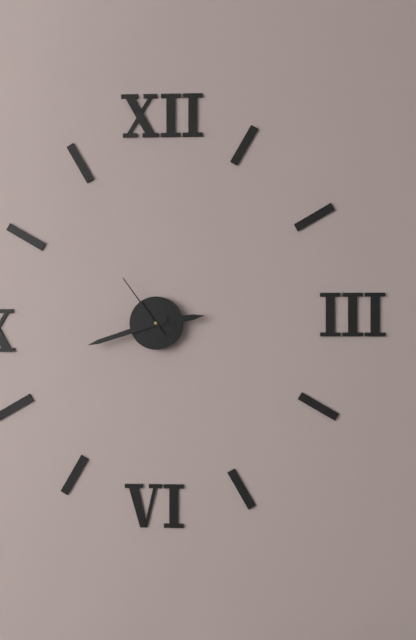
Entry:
h=2 m=42 s=54
